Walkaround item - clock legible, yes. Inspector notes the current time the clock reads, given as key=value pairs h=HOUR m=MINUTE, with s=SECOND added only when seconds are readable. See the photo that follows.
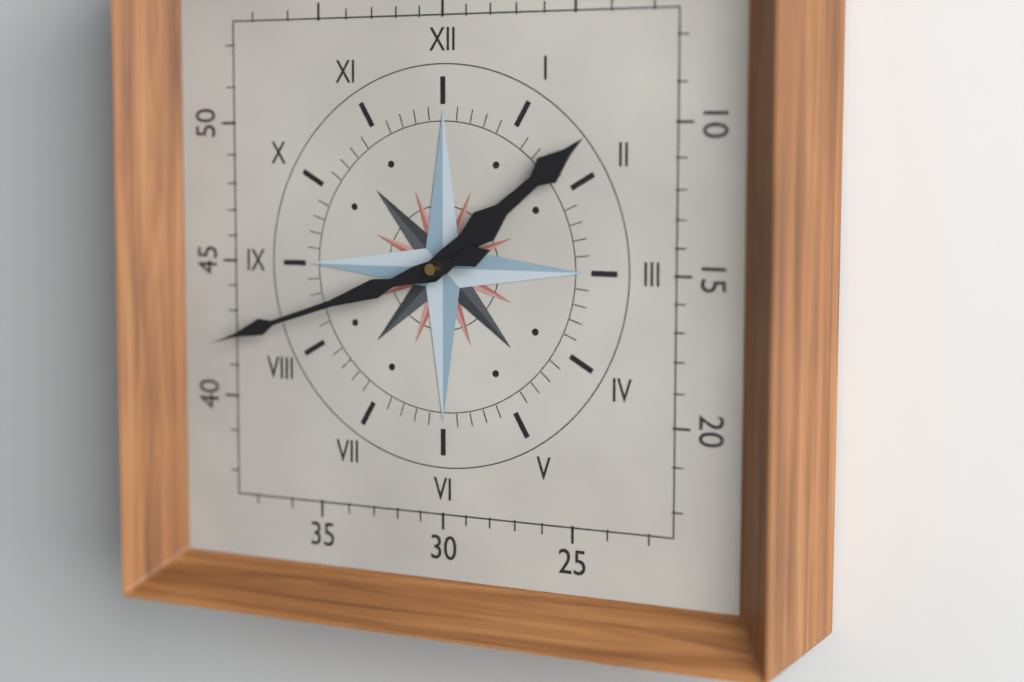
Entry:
h=1 m=42
